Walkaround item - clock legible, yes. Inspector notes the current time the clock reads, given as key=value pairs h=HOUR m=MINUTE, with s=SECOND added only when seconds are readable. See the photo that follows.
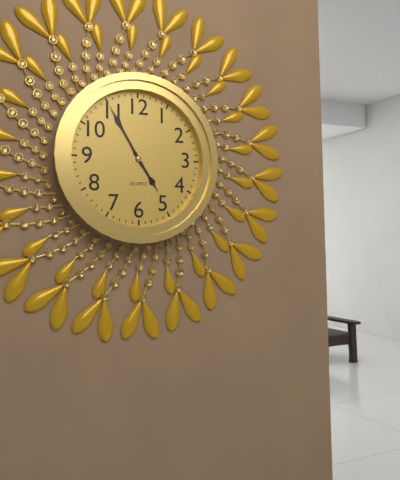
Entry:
h=4 m=55
